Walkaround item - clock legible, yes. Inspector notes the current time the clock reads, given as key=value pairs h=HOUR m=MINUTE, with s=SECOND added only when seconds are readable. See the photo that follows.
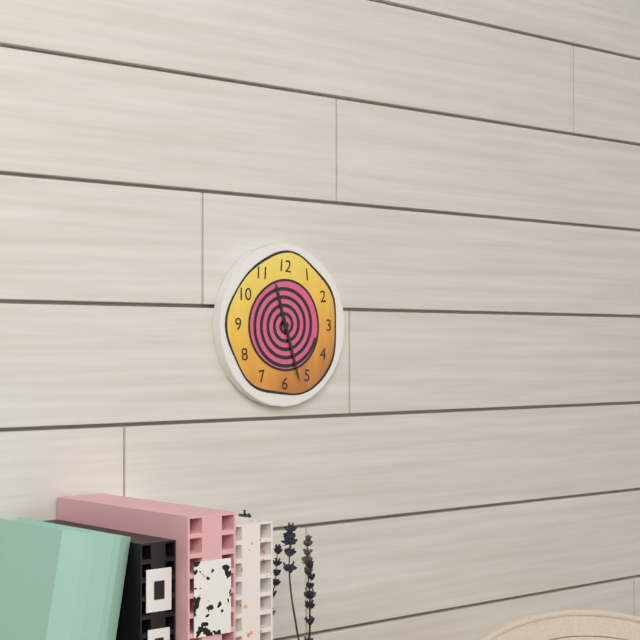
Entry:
h=11 m=27
